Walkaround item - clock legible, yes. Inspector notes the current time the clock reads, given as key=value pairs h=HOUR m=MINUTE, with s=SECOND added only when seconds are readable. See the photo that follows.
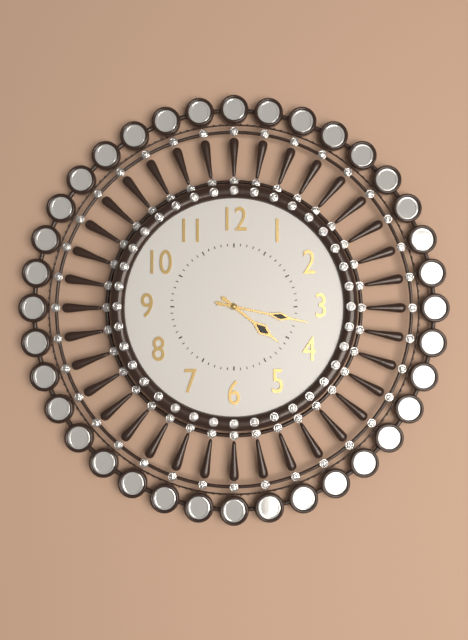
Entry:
h=4 m=17
